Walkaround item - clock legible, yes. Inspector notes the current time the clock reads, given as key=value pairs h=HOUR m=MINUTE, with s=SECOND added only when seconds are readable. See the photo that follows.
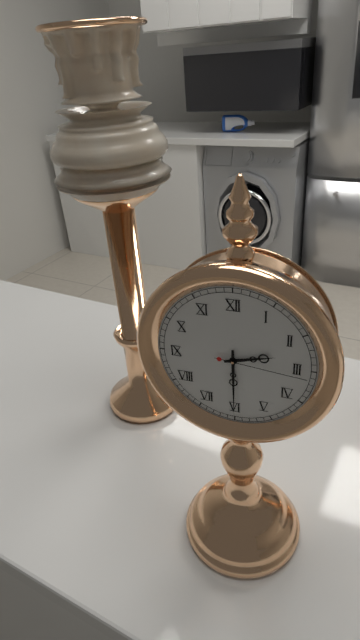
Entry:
h=2 m=30 s=16
